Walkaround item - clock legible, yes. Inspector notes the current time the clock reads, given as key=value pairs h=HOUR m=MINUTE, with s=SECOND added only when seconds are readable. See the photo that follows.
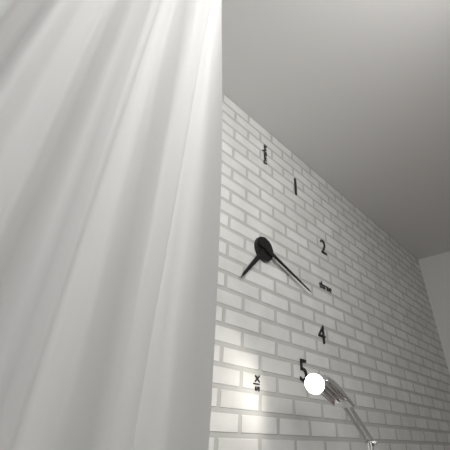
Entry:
h=7 m=18
